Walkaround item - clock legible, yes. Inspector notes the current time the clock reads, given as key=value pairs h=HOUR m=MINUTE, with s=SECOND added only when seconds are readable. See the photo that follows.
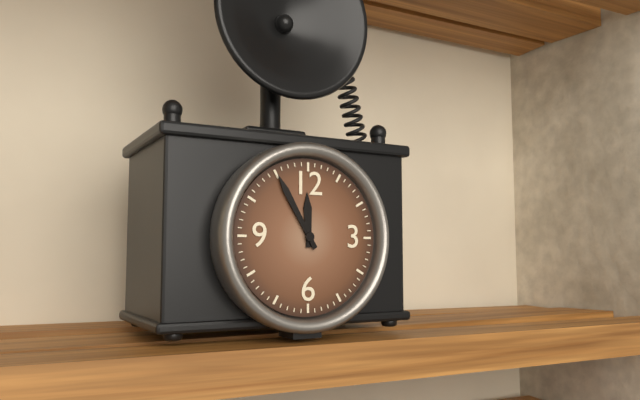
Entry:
h=11 m=55
